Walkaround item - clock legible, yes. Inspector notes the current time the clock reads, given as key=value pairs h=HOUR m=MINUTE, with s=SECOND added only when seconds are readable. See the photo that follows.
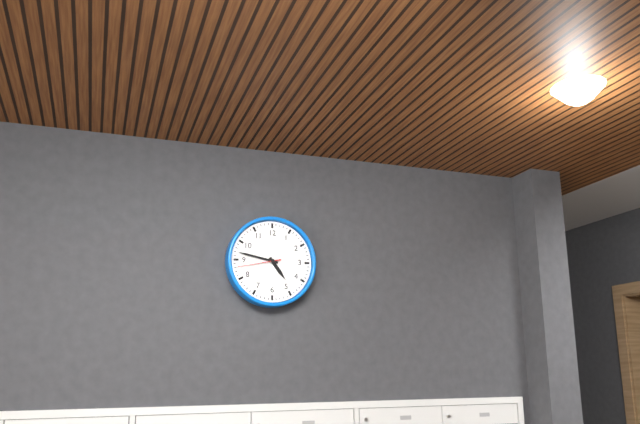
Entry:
h=4 m=47
